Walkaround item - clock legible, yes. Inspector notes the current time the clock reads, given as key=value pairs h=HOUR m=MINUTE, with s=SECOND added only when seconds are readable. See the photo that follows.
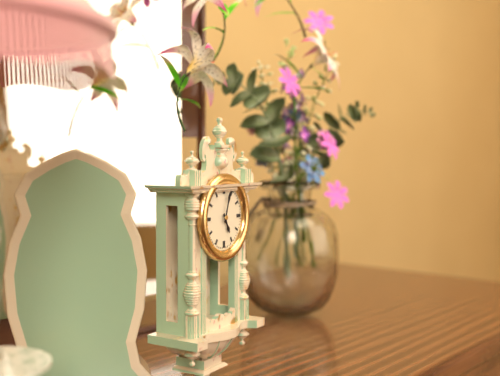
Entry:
h=5 m=3
